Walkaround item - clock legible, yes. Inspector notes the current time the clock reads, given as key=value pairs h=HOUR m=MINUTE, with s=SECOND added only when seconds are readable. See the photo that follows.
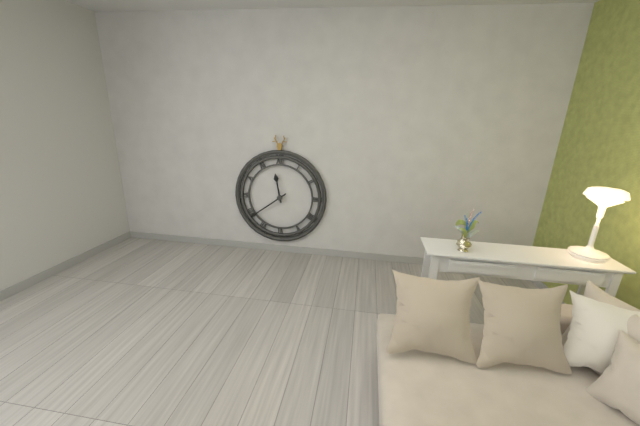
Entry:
h=11 m=39
